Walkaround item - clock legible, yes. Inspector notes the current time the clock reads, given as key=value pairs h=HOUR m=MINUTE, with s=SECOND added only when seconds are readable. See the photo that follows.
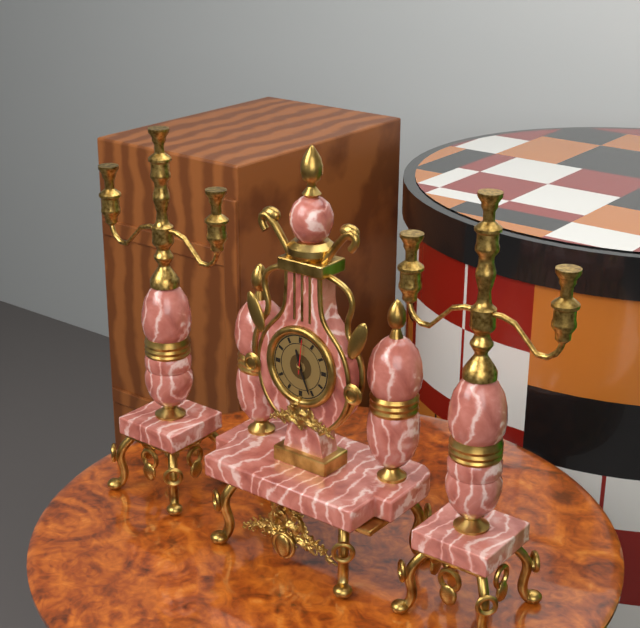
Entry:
h=11 m=26
